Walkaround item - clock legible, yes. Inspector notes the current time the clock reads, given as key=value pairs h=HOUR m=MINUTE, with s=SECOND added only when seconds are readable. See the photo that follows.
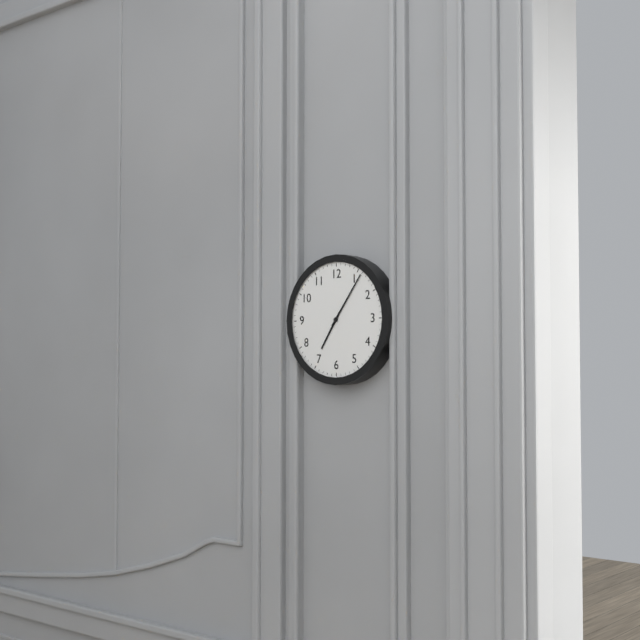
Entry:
h=7 m=6
